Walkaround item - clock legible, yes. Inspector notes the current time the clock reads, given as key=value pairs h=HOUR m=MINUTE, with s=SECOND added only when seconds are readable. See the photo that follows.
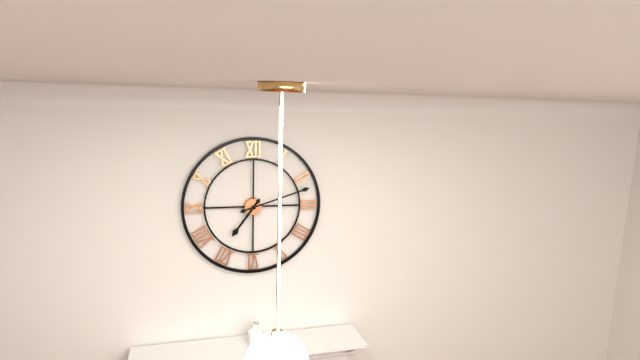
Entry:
h=7 m=12
